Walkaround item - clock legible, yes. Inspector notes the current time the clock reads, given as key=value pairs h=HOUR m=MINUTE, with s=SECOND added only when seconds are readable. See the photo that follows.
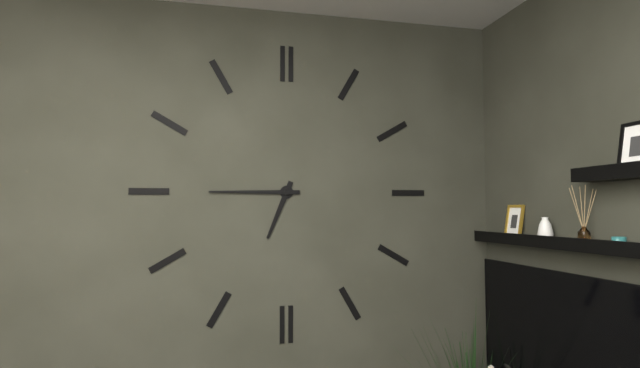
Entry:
h=6 m=45
